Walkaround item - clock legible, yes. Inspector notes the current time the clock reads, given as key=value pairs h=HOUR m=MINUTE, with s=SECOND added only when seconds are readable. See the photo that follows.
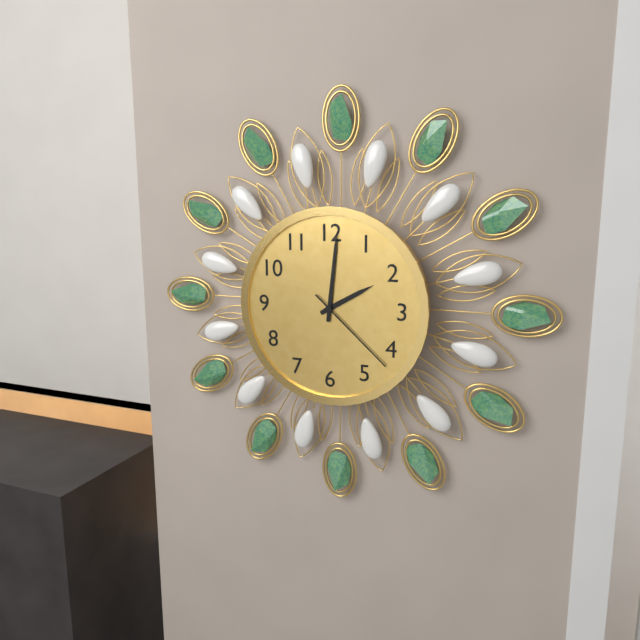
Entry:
h=2 m=1 s=22
